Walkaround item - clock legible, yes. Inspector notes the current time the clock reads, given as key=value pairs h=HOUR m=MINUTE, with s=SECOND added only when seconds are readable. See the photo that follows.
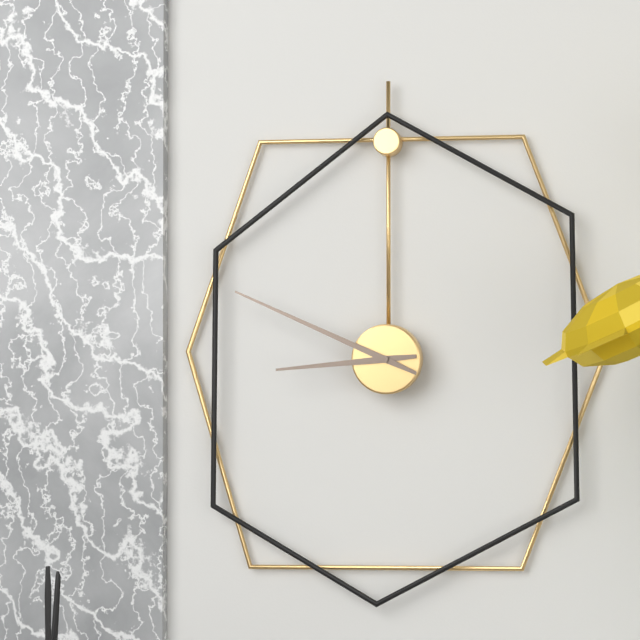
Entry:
h=8 m=49
